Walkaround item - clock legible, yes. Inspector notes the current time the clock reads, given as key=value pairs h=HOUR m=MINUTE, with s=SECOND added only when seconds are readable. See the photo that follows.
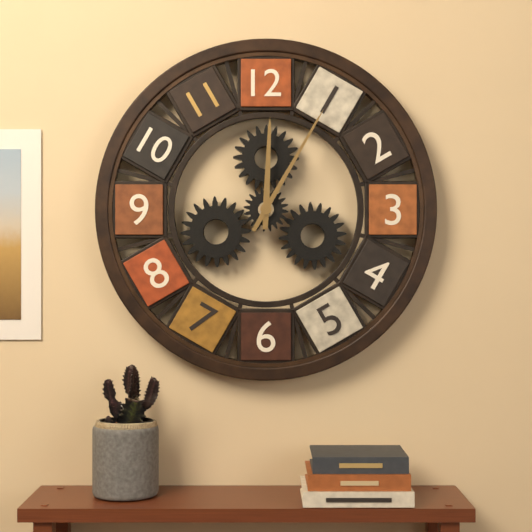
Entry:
h=12 m=5
